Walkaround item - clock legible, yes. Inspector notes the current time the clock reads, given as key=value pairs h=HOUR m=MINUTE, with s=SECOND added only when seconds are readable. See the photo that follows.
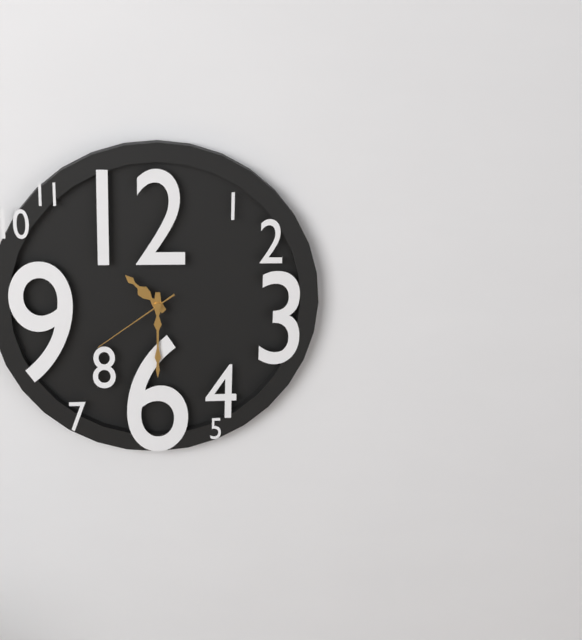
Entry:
h=10 m=30 s=39
